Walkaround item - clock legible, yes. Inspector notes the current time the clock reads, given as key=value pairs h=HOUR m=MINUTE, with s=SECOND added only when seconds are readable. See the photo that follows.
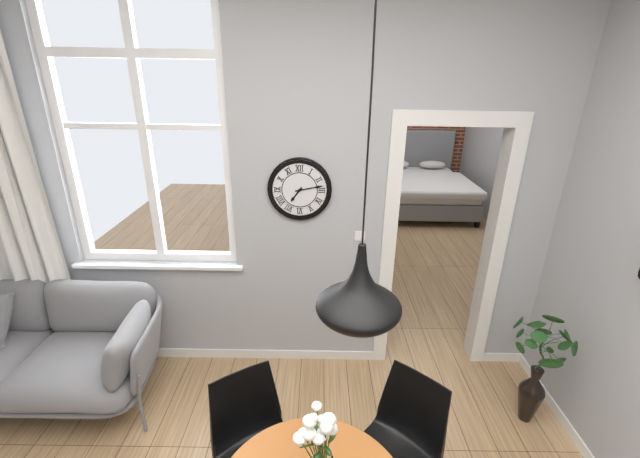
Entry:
h=7 m=13
